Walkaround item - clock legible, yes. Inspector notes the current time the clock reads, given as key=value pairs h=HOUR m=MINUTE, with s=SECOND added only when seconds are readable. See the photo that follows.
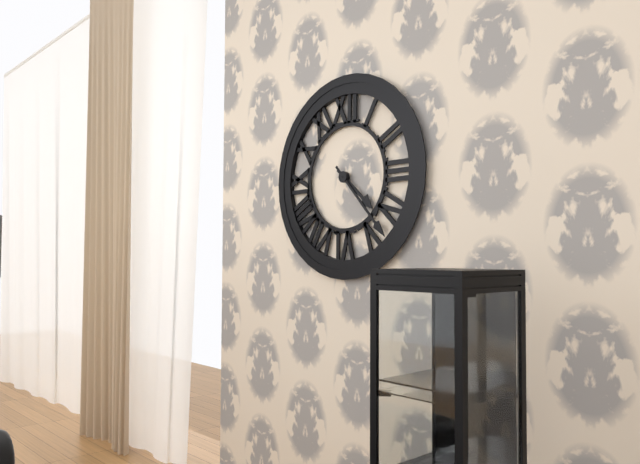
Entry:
h=4 m=23
